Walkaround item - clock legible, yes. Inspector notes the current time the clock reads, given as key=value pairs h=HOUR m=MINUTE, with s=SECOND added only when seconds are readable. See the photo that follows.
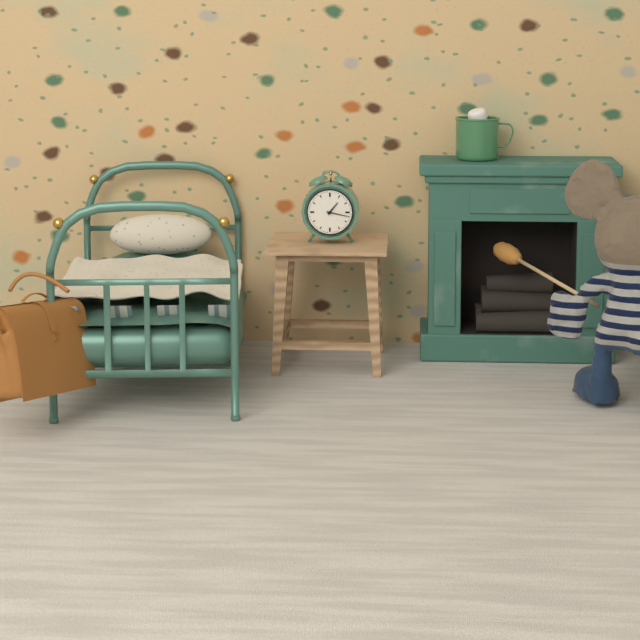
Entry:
h=1 m=17
